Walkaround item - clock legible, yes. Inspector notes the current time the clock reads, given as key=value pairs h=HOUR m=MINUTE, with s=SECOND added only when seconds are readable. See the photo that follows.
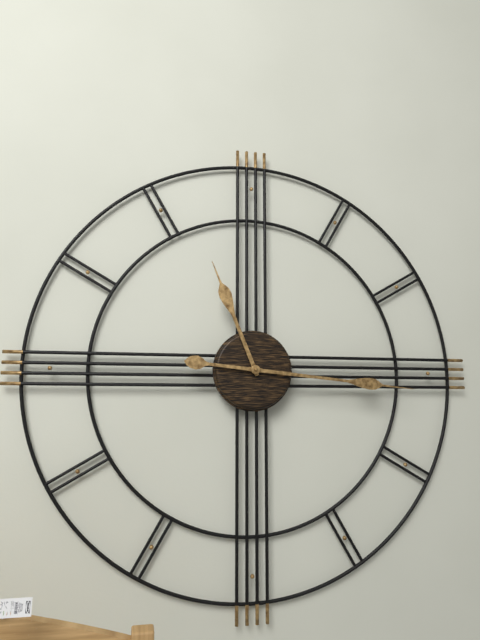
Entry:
h=11 m=16
